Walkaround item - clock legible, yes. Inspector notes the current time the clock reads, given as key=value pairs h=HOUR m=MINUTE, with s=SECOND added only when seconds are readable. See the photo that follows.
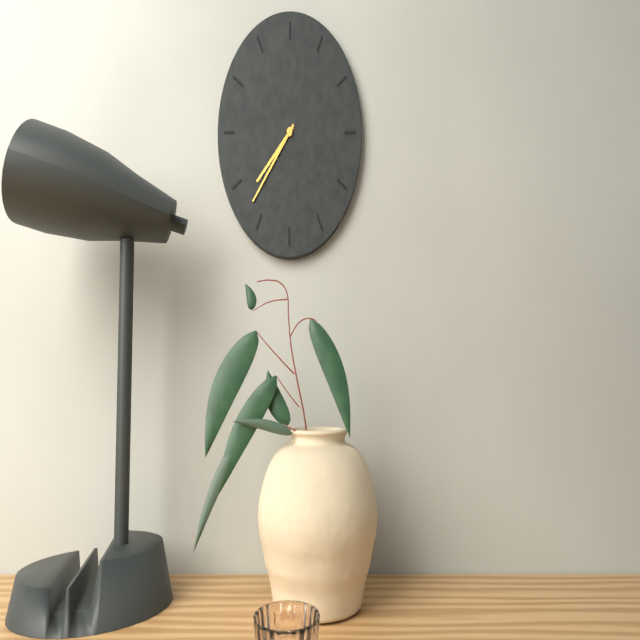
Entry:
h=7 m=37
